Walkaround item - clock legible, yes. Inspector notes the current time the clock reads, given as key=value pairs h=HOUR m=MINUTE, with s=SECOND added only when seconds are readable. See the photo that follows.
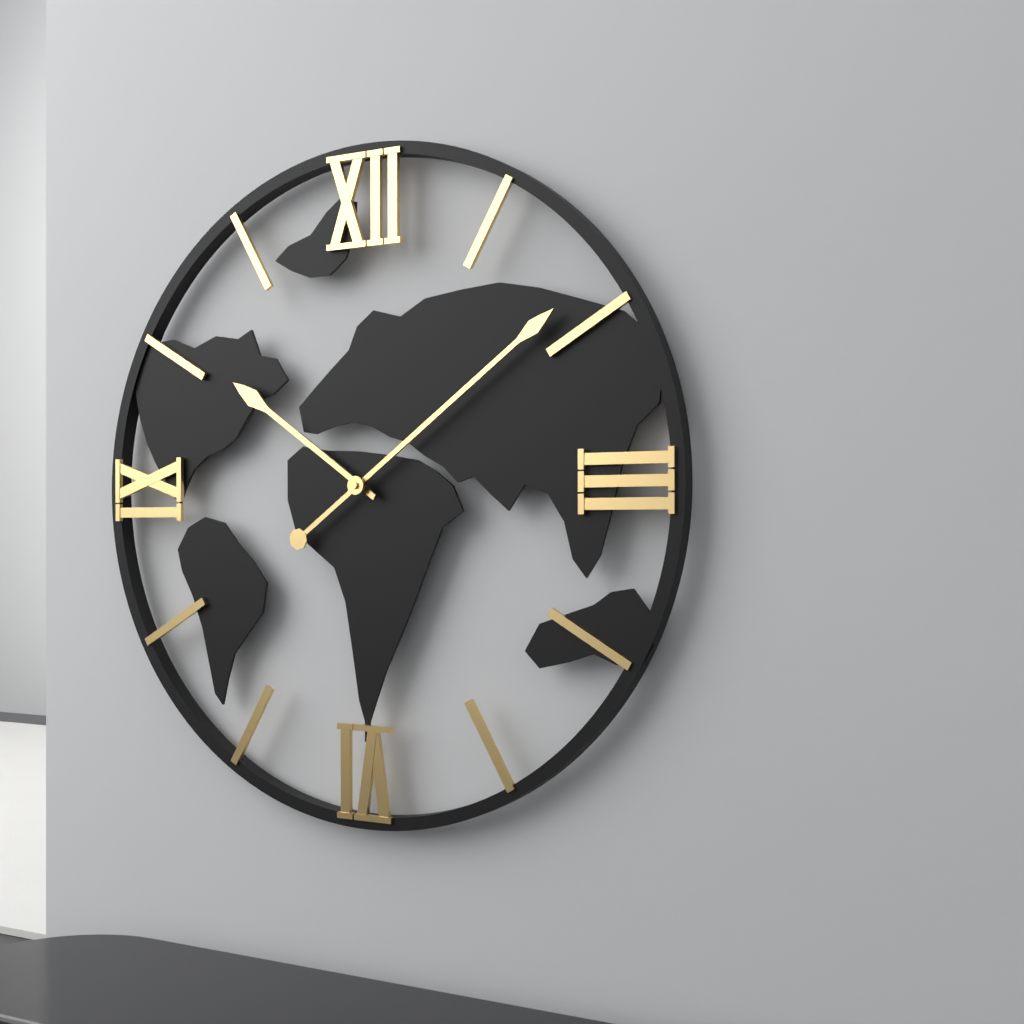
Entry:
h=10 m=9
